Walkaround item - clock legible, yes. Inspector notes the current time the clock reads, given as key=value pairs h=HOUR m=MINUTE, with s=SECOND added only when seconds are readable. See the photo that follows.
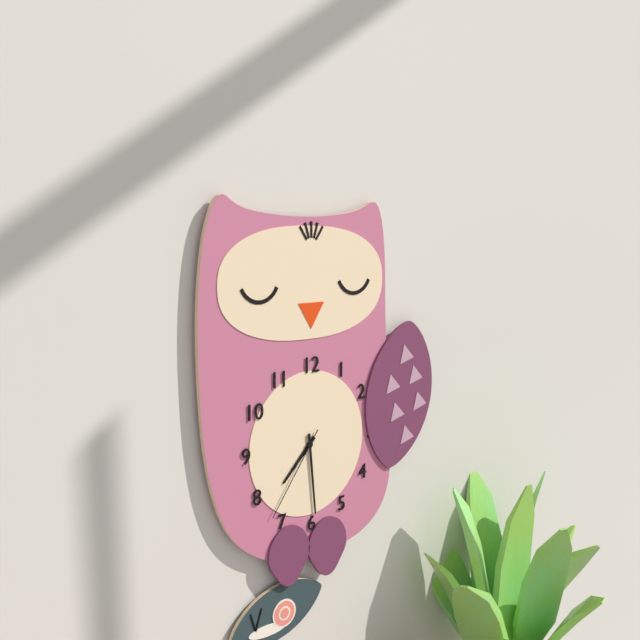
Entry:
h=7 m=29 s=36
